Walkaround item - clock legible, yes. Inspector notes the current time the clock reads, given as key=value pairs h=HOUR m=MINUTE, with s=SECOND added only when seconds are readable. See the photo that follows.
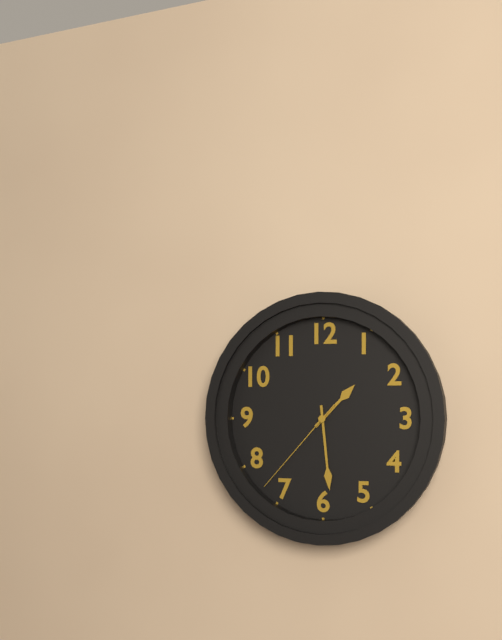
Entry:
h=1 m=29 s=37
